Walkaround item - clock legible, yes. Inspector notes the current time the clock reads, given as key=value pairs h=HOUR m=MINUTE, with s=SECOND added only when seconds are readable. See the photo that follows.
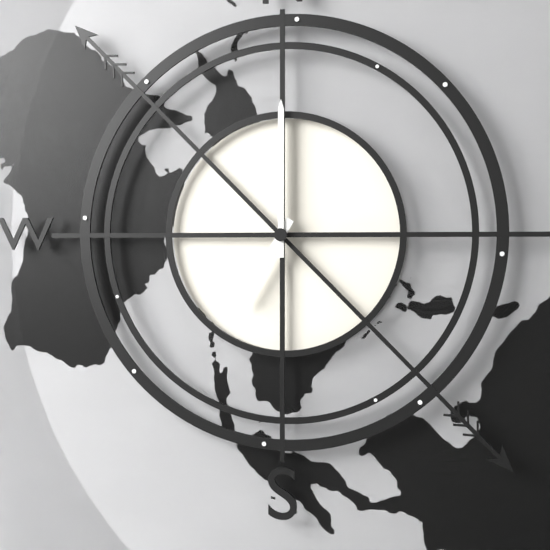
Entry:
h=7 m=0
